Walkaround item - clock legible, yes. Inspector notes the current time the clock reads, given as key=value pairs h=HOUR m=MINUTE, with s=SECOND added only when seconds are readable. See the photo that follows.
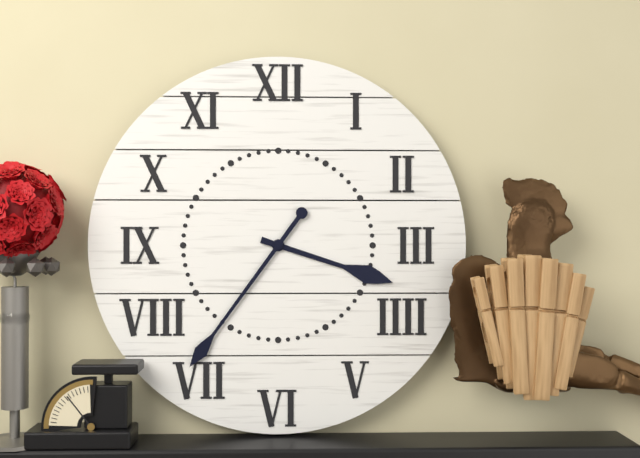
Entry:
h=3 m=36
